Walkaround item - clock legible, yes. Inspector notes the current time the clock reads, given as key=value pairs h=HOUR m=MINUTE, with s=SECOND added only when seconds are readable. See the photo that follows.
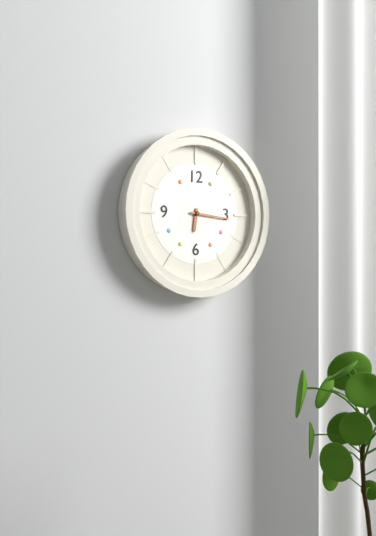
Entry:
h=6 m=16
